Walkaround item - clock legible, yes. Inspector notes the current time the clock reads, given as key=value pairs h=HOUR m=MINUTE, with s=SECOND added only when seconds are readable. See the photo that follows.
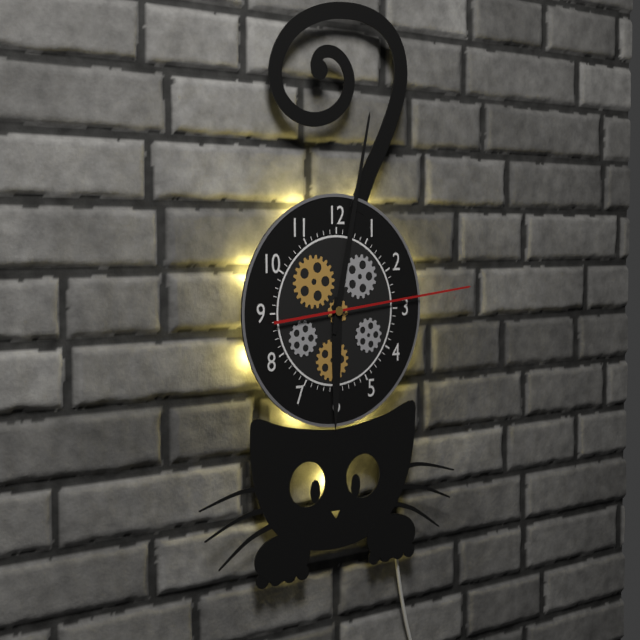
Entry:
h=6 m=2 s=14
